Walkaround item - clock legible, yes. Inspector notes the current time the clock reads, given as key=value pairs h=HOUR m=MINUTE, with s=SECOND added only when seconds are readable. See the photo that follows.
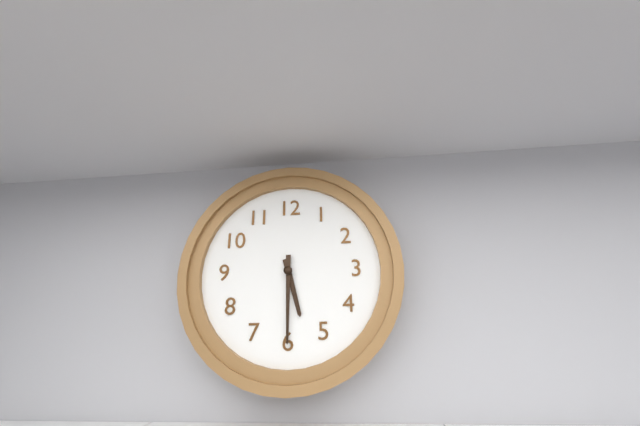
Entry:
h=5 m=30
